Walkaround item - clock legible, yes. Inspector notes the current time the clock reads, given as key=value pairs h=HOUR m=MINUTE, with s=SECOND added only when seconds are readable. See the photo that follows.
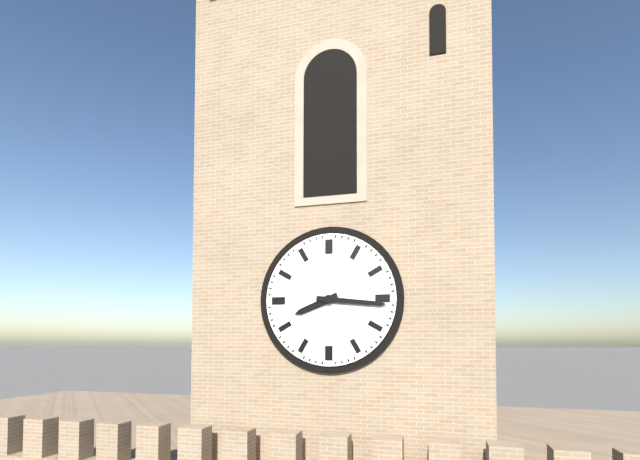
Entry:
h=8 m=16
